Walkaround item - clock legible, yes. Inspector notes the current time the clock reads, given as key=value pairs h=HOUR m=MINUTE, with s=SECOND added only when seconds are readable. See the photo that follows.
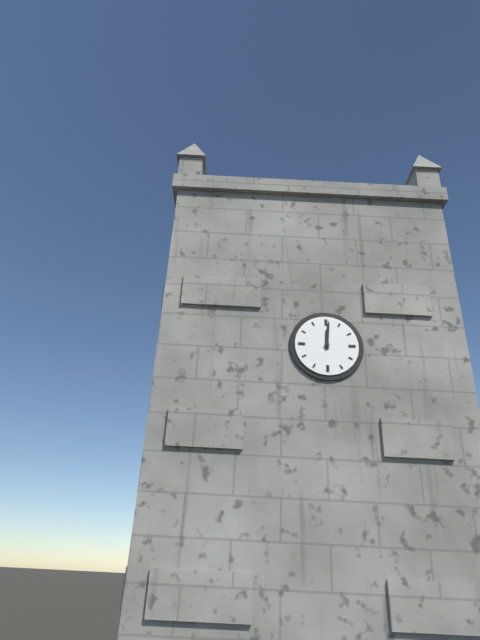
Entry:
h=12 m=1
